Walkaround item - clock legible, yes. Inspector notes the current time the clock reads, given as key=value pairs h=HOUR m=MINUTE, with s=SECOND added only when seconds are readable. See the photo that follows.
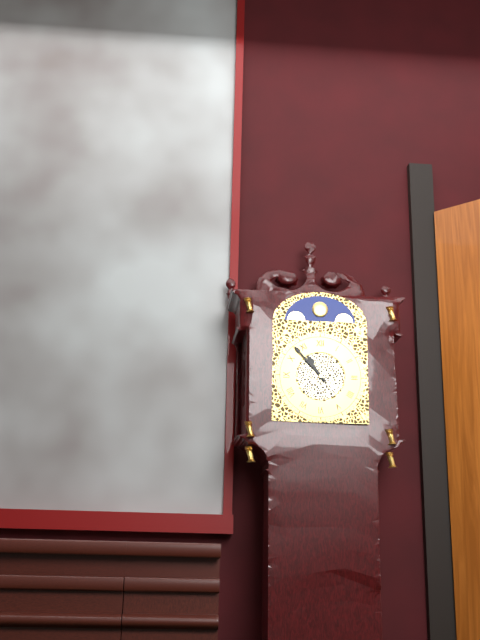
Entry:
h=10 m=53
